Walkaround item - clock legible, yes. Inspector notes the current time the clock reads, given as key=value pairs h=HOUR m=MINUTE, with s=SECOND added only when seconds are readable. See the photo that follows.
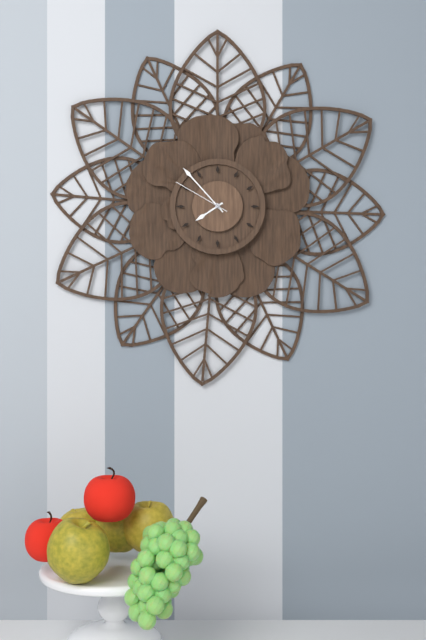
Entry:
h=7 m=53 s=50
